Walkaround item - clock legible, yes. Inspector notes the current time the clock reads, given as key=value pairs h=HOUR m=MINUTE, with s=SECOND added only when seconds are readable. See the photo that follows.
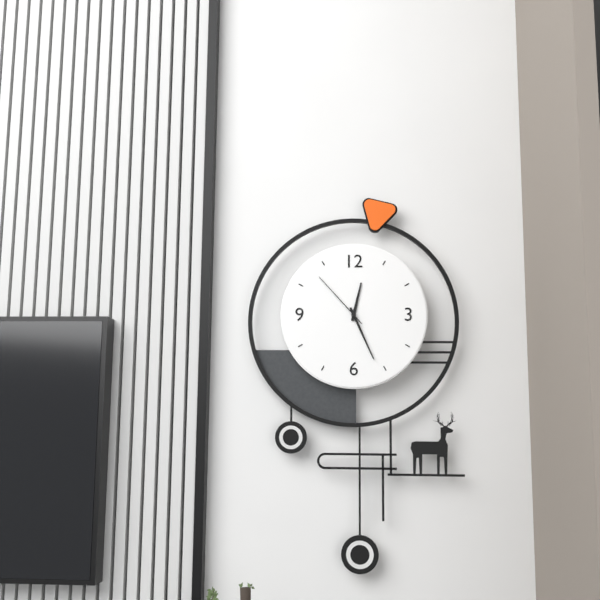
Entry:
h=12 m=26 s=53
